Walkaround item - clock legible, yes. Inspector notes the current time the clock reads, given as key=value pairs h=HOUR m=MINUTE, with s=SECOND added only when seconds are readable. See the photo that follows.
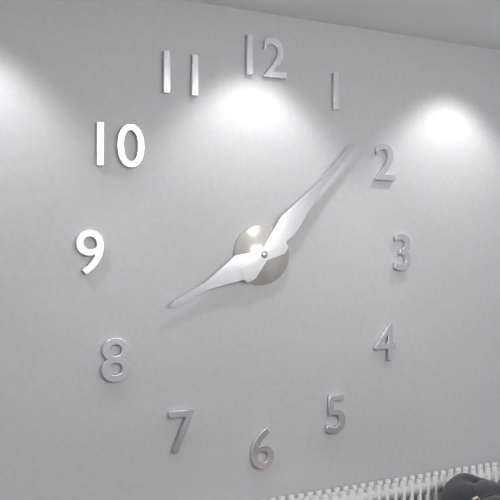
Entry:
h=8 m=7
